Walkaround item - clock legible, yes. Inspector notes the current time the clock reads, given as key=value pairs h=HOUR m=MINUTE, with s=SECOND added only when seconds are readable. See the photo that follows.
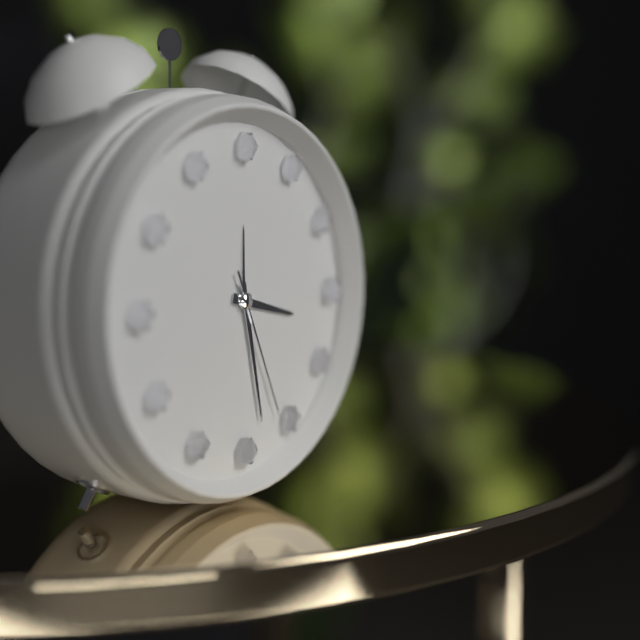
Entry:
h=3 m=28 s=26
